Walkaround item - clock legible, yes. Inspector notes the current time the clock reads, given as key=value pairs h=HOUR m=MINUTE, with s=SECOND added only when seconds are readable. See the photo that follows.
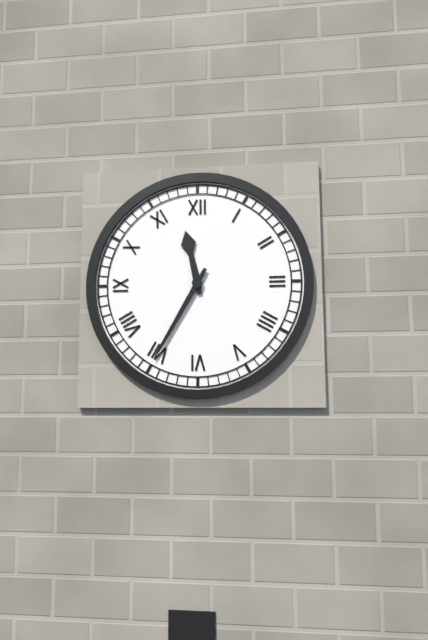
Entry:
h=11 m=35
